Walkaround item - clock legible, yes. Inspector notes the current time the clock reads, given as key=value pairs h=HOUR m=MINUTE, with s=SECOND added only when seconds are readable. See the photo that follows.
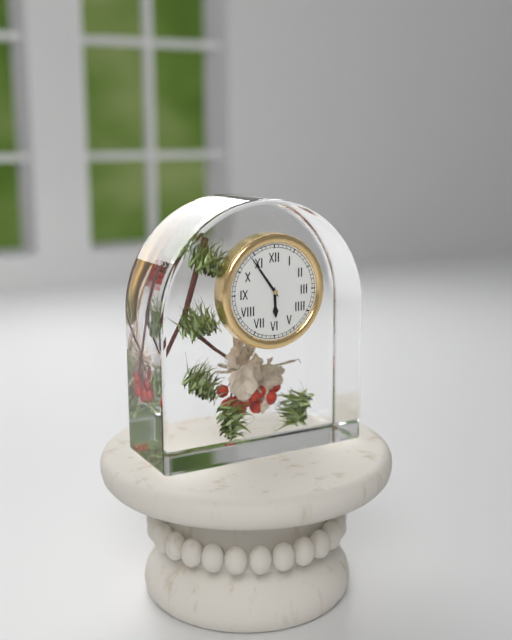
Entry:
h=5 m=54
